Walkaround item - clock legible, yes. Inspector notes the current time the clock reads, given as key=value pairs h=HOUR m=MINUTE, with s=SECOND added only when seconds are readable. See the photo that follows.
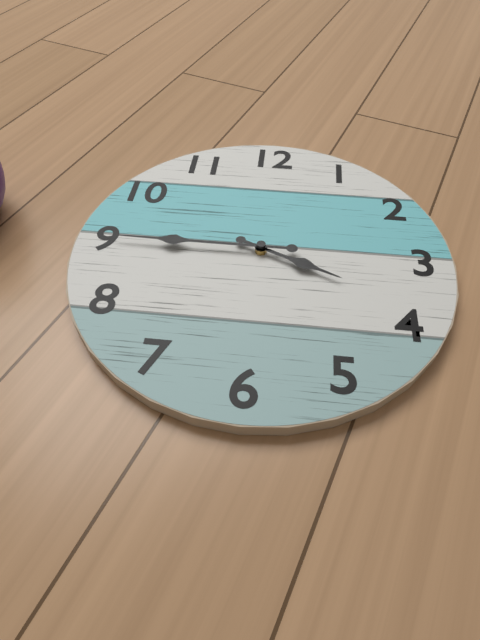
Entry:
h=3 m=45
